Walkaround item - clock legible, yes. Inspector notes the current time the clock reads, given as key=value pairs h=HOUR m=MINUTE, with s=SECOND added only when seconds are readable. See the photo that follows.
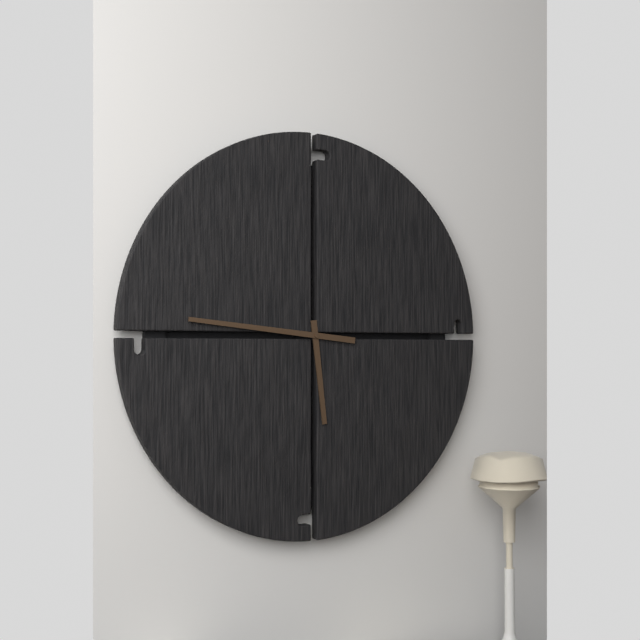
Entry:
h=5 m=46
